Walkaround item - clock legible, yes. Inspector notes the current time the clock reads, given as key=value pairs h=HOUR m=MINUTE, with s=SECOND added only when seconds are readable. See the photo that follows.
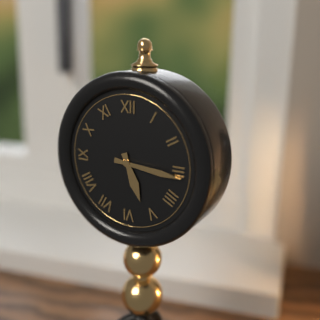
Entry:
h=5 m=16
